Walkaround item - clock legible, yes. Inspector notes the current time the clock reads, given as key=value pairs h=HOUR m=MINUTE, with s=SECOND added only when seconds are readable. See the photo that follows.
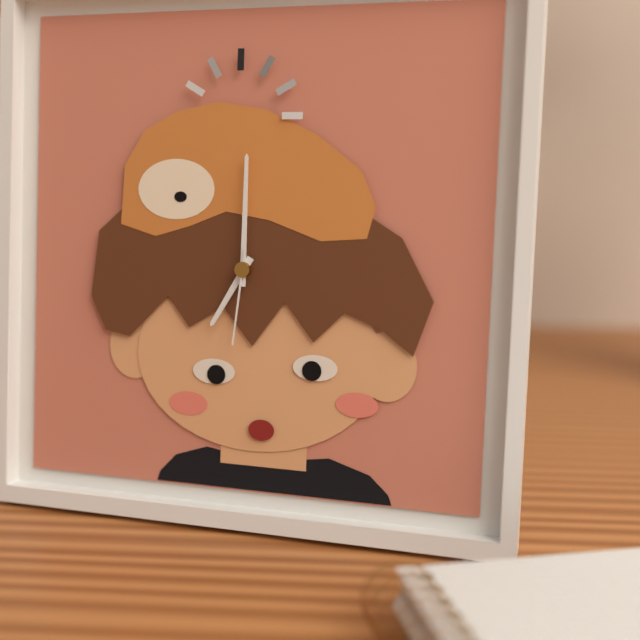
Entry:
h=7 m=0 s=31
